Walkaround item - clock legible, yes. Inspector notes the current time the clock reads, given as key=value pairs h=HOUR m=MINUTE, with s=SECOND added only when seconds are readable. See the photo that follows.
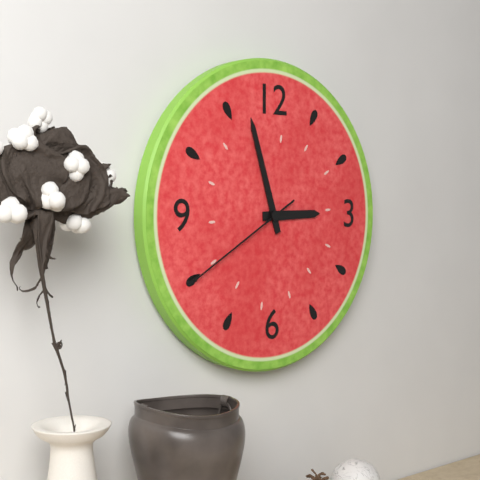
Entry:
h=2 m=57 s=40
